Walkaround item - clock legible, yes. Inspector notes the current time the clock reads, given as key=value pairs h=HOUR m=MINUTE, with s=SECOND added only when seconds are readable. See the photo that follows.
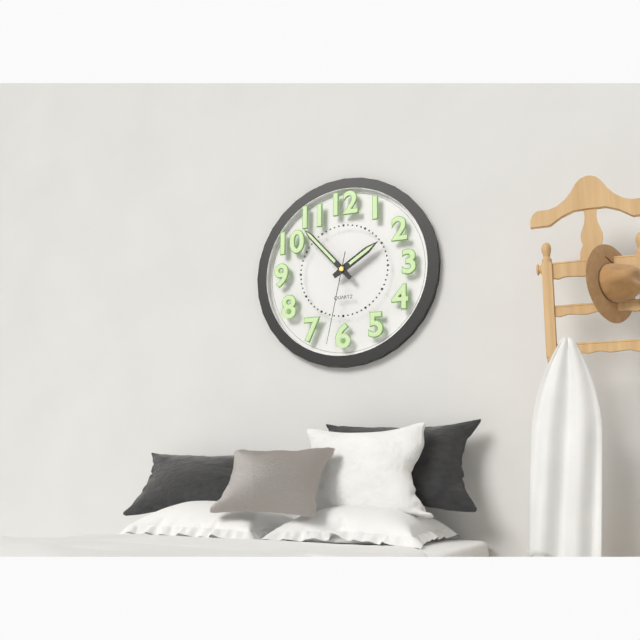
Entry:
h=1 m=53 s=32
